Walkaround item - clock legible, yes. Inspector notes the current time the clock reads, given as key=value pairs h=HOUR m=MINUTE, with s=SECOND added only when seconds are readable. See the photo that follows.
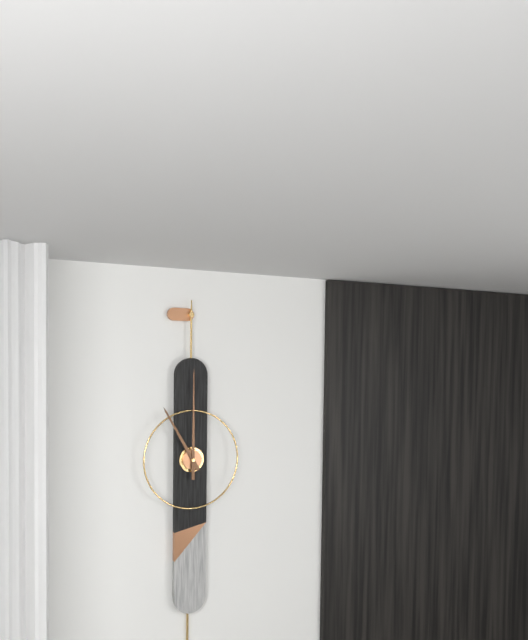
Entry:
h=11 m=0
